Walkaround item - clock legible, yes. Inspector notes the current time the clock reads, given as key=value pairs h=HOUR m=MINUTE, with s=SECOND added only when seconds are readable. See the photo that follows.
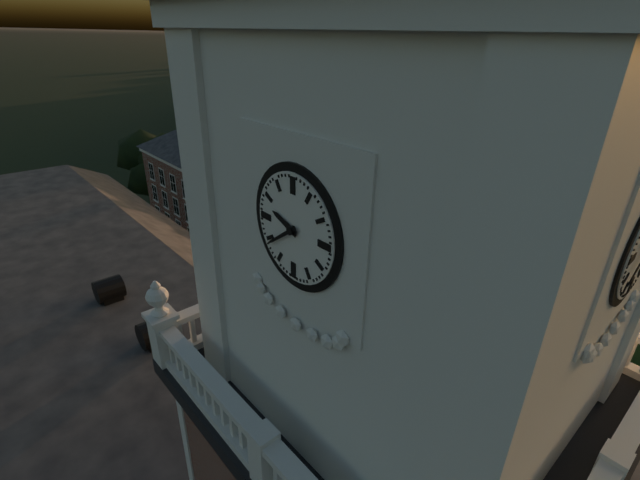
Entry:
h=9 m=39
